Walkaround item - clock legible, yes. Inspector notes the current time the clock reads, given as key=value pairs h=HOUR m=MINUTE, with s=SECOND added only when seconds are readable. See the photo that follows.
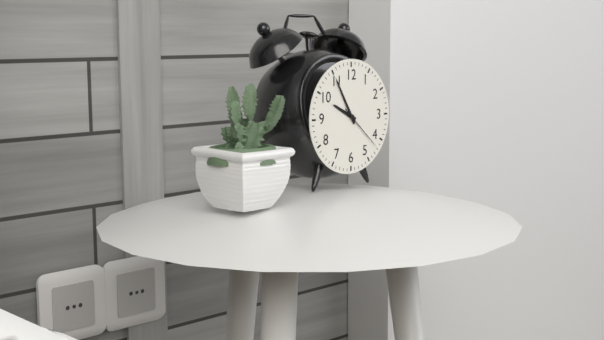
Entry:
h=9 m=55
